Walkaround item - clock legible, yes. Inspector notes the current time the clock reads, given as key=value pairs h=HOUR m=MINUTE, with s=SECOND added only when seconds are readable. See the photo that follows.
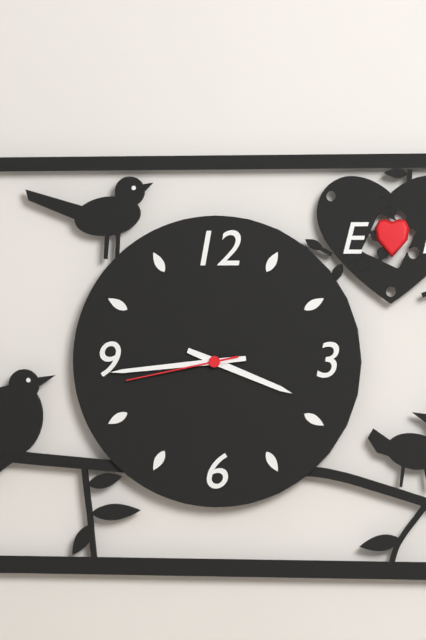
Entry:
h=3 m=44 s=43
